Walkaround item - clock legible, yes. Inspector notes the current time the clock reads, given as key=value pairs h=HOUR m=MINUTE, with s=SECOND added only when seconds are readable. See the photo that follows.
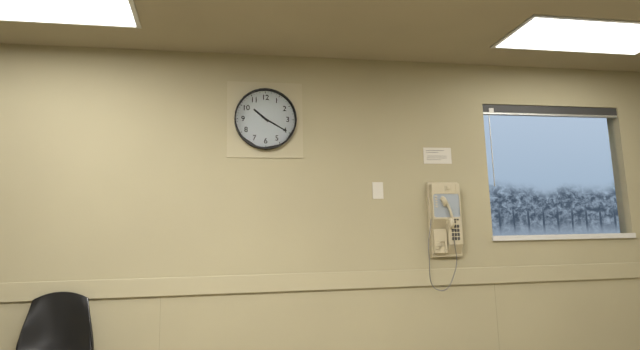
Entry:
h=10 m=20
